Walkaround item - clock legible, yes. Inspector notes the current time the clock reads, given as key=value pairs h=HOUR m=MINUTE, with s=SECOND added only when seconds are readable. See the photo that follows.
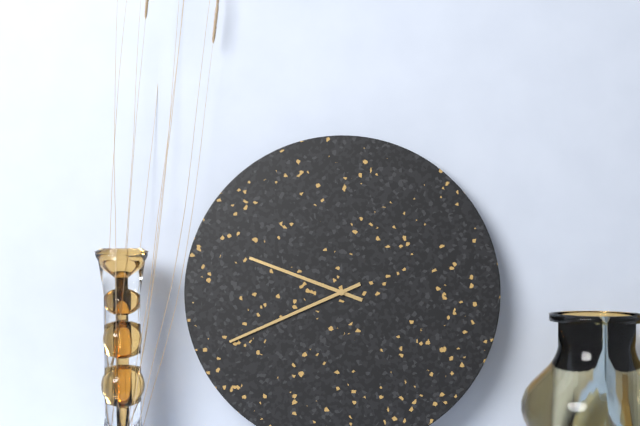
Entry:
h=9 m=41
